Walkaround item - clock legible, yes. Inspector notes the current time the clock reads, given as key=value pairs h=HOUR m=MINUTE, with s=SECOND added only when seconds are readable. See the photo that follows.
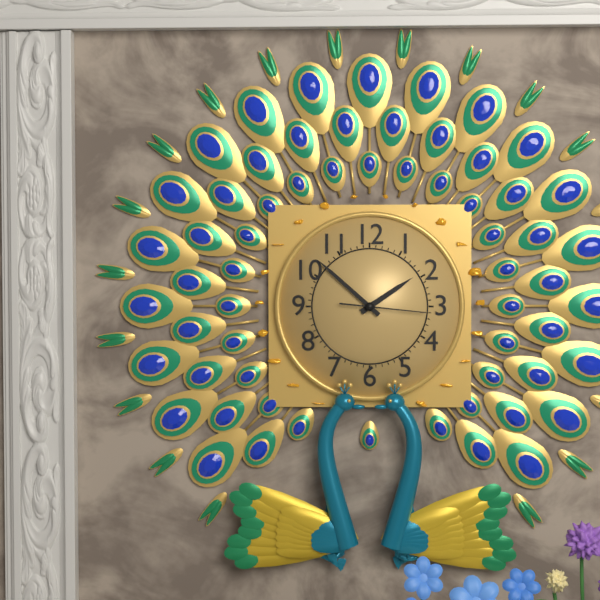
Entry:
h=1 m=52 s=16
